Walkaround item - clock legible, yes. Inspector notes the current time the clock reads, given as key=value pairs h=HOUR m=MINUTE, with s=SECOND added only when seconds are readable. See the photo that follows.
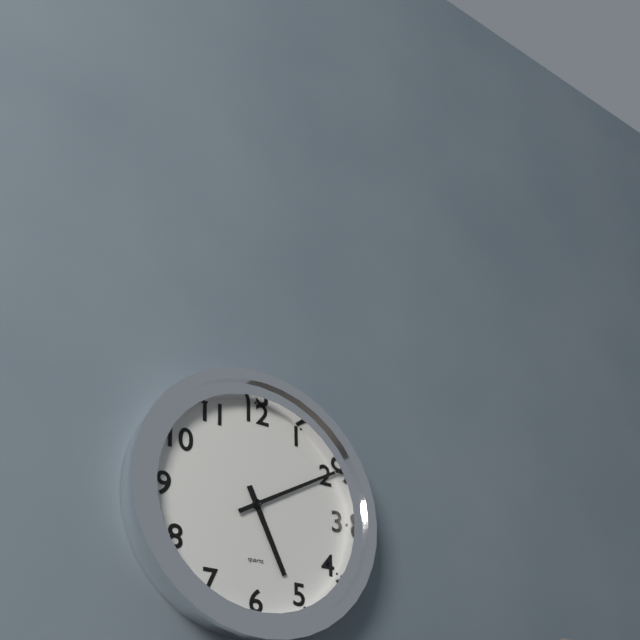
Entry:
h=5 m=10
